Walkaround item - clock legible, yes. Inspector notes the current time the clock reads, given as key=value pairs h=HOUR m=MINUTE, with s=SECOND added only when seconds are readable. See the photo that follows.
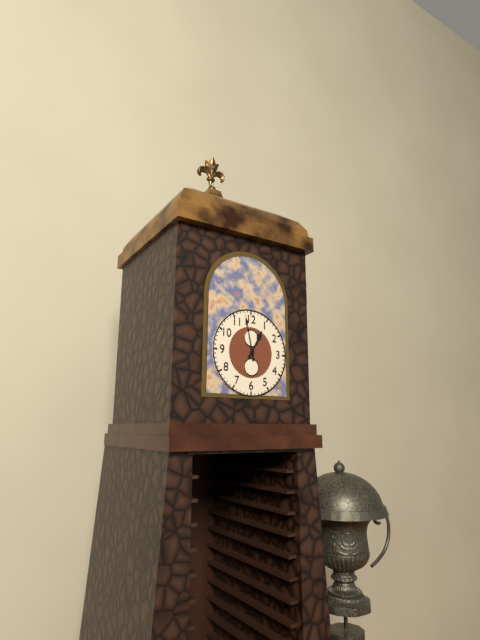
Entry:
h=12 m=58
